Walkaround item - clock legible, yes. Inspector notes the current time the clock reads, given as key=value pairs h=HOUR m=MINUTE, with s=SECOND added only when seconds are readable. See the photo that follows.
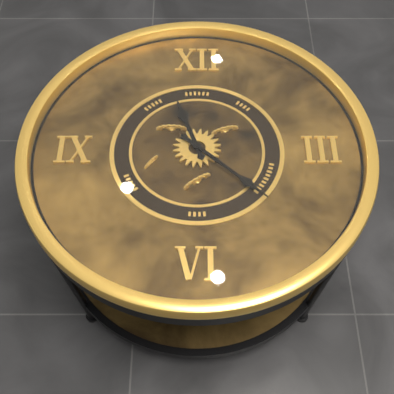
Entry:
h=11 m=22
